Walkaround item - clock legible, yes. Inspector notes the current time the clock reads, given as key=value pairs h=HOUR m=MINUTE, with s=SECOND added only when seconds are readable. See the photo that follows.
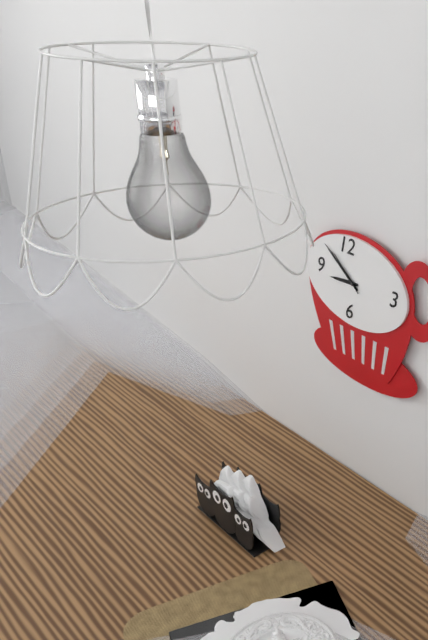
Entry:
h=8 m=51 s=52
